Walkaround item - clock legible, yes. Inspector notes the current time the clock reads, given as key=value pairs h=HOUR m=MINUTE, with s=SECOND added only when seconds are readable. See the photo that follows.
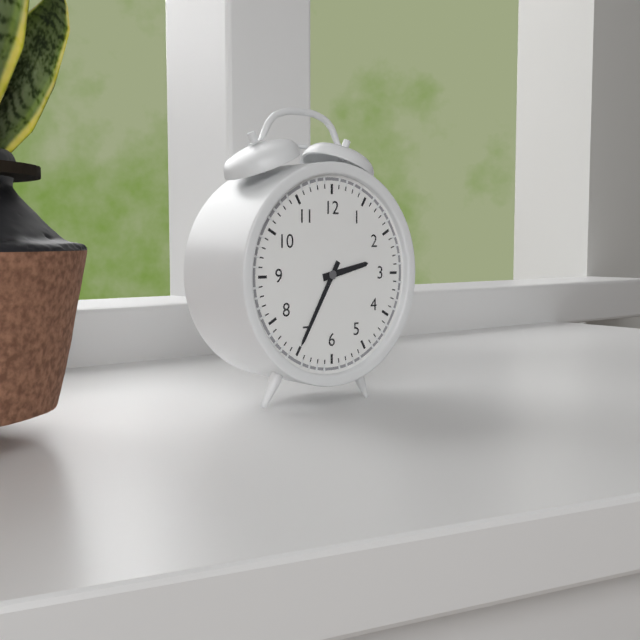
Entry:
h=2 m=35
